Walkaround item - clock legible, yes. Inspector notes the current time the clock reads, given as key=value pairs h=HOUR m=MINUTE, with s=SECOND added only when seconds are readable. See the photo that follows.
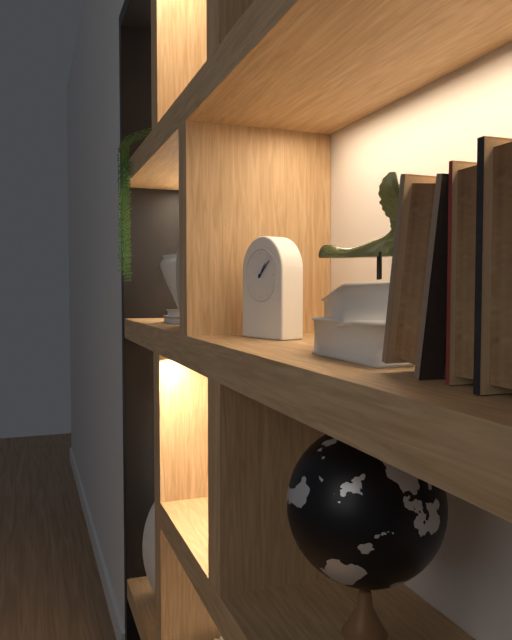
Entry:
h=1 m=8
